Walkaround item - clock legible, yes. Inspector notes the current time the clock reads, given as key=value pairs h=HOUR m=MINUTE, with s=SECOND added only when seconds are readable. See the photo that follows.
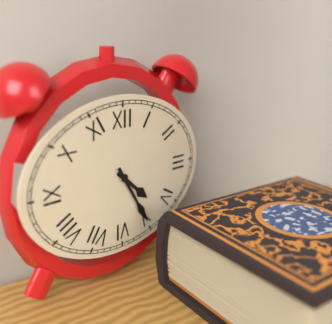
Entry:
h=4 m=25
